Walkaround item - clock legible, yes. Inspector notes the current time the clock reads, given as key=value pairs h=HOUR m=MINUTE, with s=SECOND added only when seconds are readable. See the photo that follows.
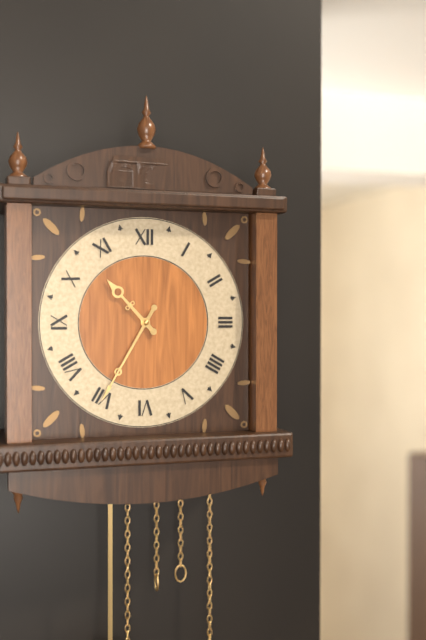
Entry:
h=10 m=35
